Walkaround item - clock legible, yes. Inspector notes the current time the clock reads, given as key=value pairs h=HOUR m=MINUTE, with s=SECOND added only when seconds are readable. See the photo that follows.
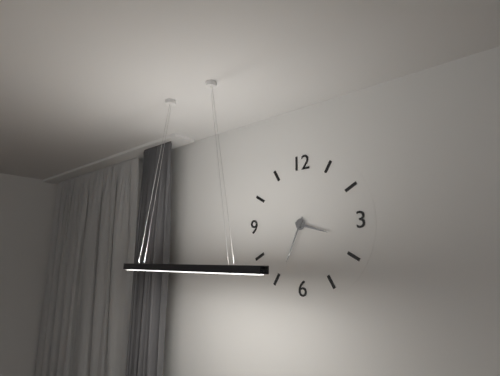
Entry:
h=3 m=34
